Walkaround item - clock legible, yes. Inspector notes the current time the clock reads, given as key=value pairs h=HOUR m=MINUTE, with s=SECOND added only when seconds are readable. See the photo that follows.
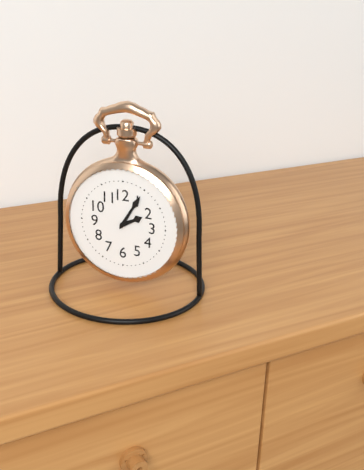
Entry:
h=2 m=5
